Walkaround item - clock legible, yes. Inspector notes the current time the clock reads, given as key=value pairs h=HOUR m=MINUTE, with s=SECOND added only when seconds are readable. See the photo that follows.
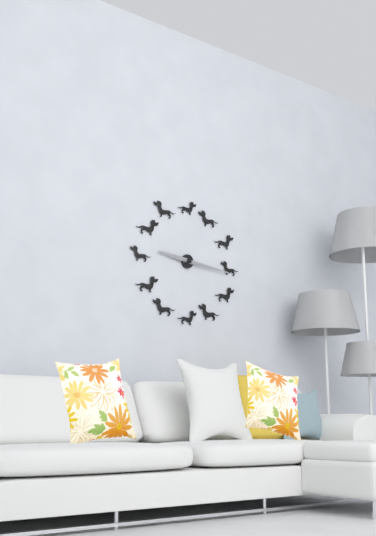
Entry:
h=9 m=16
